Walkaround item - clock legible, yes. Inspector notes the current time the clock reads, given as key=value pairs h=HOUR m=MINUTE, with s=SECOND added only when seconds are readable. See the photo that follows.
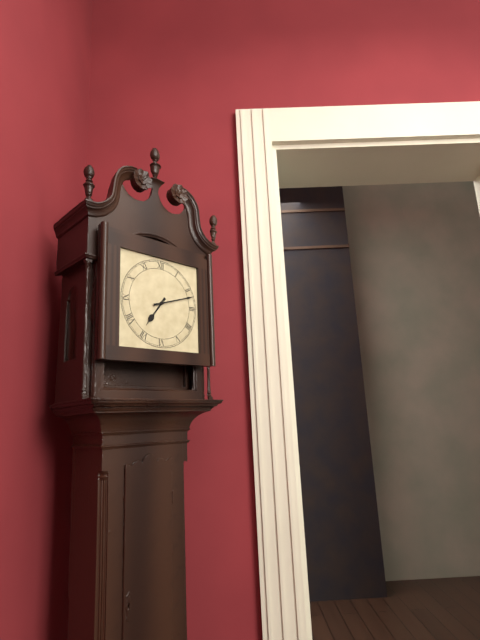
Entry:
h=7 m=12
